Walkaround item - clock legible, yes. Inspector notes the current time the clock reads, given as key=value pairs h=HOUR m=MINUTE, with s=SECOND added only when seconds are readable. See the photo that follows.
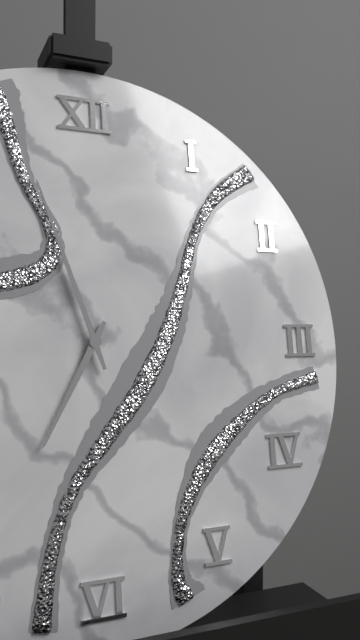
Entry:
h=6 m=57
